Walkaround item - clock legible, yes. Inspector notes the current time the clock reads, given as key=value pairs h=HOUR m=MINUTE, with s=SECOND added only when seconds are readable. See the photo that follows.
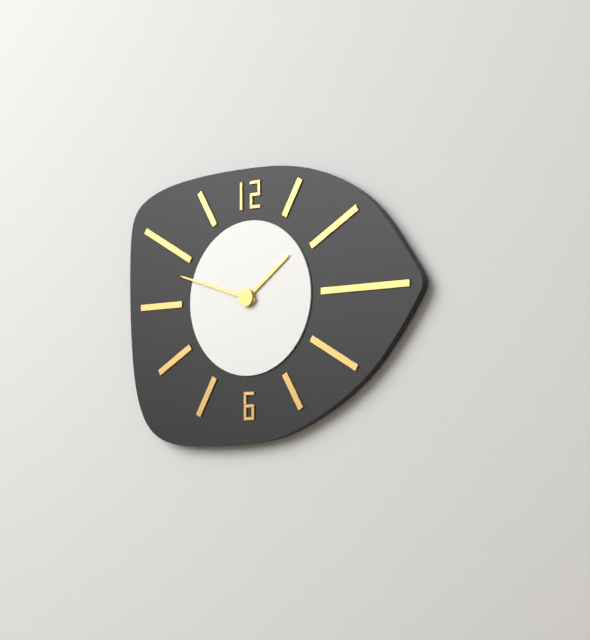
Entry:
h=1 m=48
